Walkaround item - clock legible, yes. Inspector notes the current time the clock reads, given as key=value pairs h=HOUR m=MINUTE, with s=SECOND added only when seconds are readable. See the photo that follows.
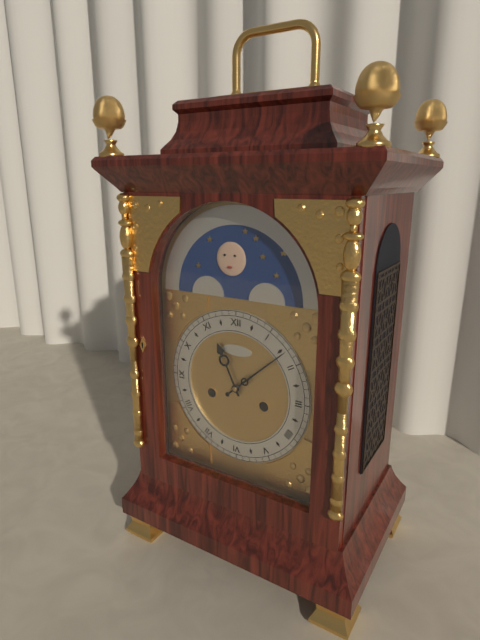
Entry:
h=11 m=8
